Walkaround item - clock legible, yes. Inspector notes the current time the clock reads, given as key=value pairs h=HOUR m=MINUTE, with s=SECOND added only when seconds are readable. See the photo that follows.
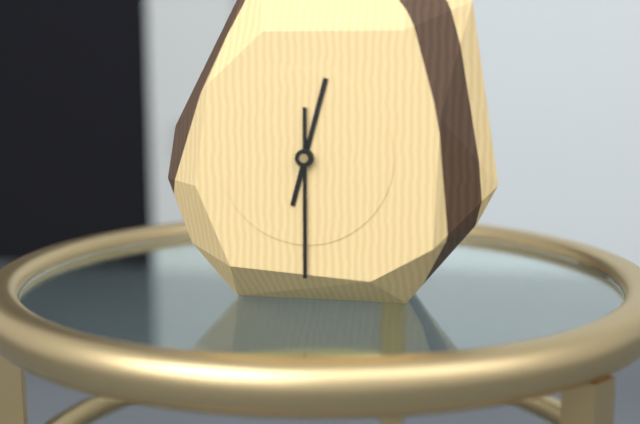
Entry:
h=12 m=30
